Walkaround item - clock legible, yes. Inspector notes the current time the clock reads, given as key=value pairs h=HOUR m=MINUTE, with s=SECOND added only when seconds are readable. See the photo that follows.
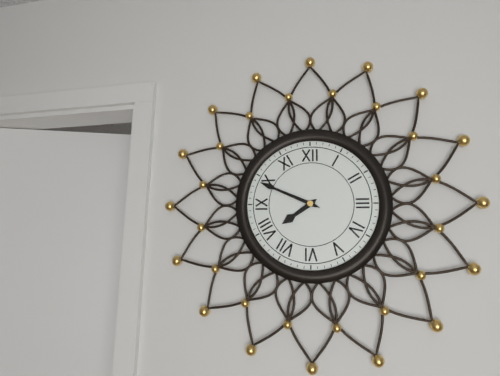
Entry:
h=7 m=49
